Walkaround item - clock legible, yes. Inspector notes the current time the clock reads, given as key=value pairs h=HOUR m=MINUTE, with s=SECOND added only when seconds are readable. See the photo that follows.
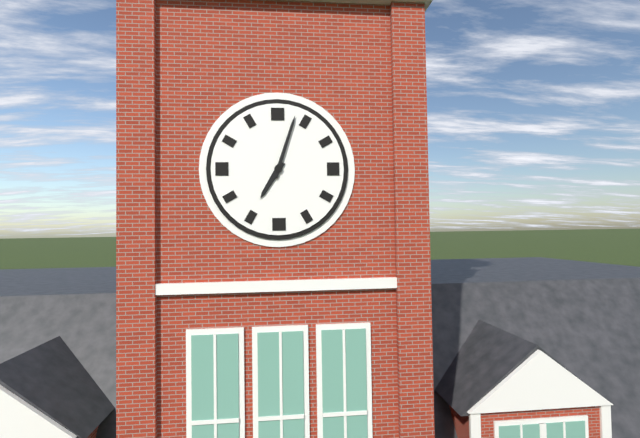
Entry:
h=7 m=3
